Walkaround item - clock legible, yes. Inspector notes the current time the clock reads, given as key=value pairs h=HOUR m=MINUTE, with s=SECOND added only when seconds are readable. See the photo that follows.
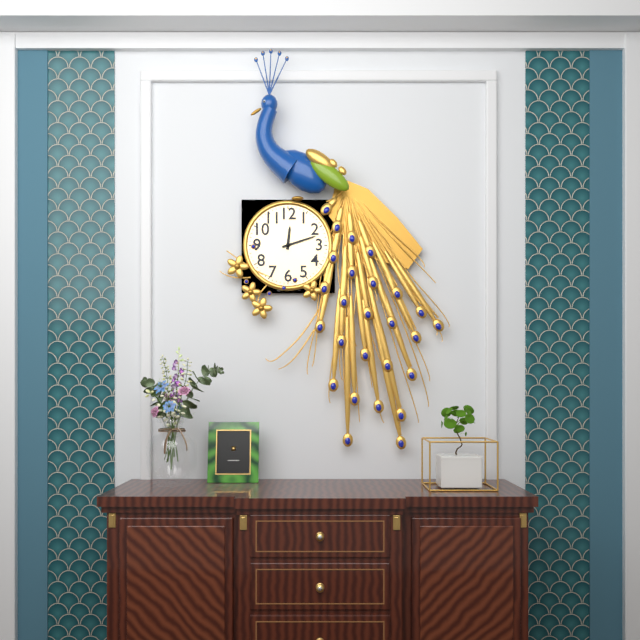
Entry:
h=12 m=12
